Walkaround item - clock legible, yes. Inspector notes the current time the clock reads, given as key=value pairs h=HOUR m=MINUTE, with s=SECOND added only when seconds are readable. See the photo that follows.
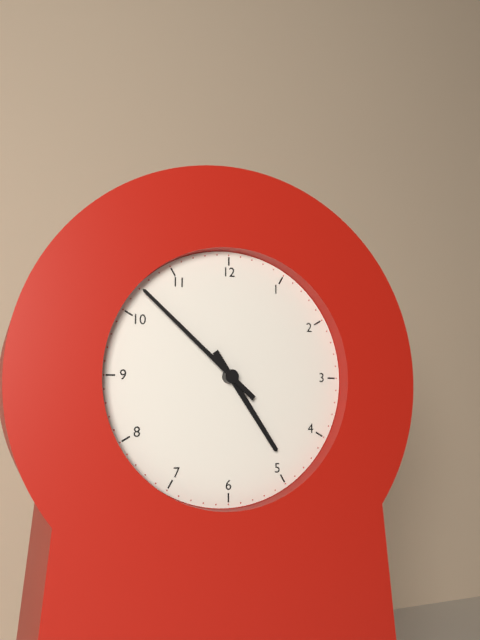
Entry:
h=4 m=52
